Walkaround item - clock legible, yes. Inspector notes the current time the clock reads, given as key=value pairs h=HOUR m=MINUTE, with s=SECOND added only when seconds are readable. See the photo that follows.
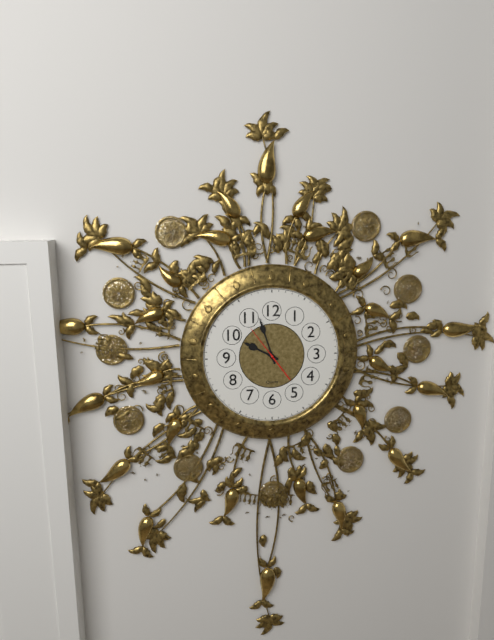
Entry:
h=9 m=57
